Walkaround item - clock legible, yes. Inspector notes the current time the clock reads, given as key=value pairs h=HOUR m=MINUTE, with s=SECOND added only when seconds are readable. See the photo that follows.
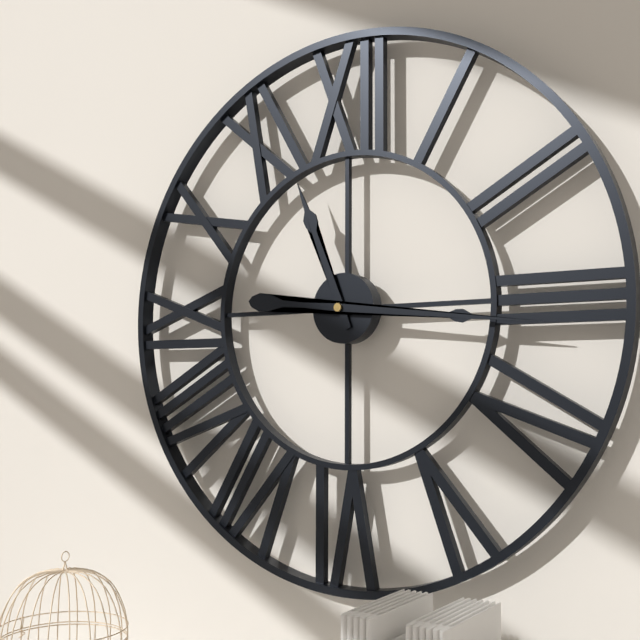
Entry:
h=11 m=16
